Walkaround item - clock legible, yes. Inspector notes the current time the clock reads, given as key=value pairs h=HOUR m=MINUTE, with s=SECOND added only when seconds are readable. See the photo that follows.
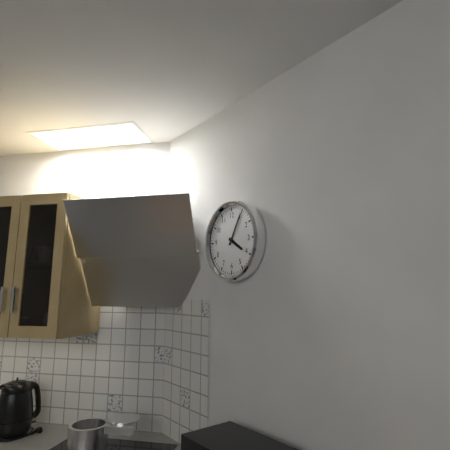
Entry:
h=4 m=5
